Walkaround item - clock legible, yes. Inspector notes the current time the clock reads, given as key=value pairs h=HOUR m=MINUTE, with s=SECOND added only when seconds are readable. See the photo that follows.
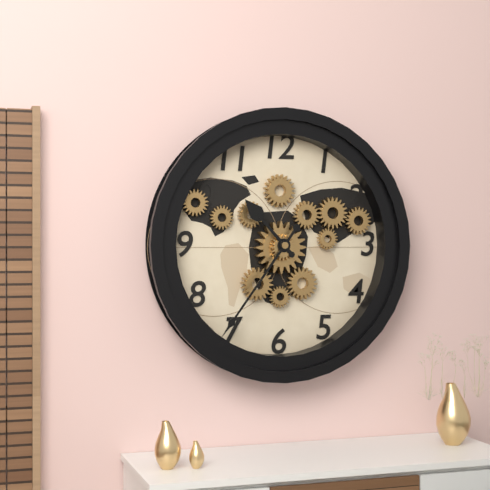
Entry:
h=10 m=36
